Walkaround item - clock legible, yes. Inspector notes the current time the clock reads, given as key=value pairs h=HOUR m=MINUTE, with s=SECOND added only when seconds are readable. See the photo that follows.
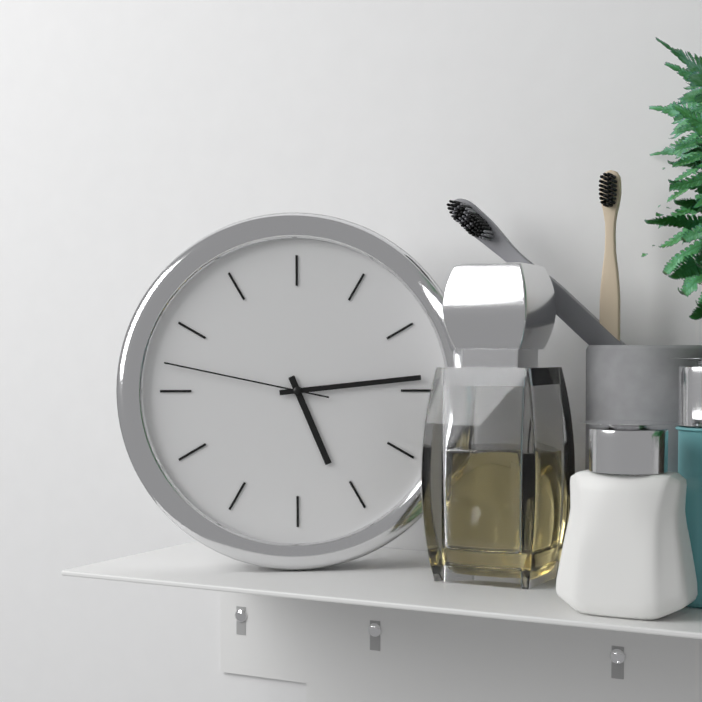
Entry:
h=5 m=14 s=47
